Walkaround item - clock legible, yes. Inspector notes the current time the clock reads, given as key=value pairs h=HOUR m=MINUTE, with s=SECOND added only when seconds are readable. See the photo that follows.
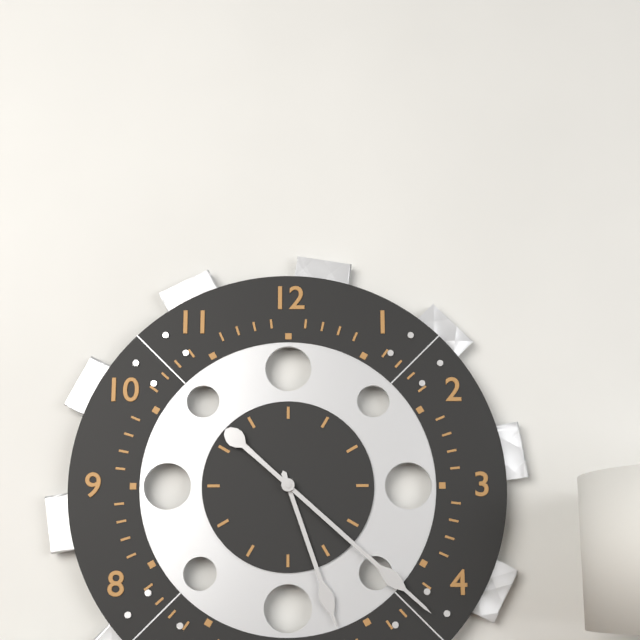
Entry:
h=5 m=22
